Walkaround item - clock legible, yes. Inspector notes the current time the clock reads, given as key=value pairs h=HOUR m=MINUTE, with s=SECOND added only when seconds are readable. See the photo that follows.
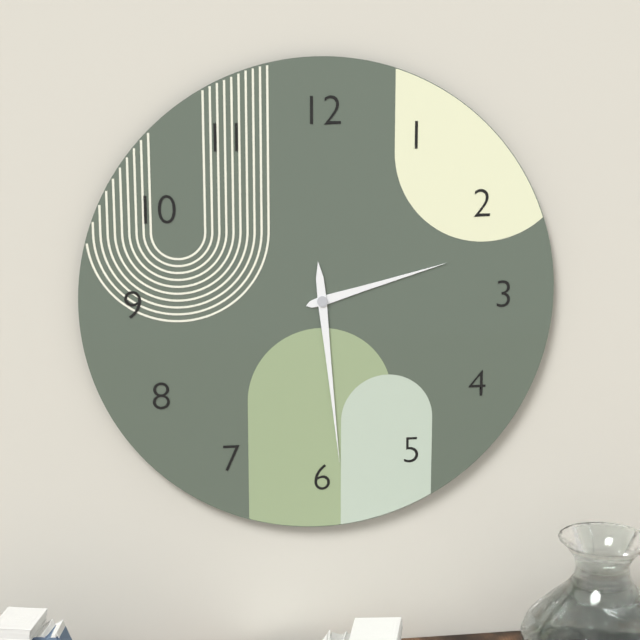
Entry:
h=2 m=29
